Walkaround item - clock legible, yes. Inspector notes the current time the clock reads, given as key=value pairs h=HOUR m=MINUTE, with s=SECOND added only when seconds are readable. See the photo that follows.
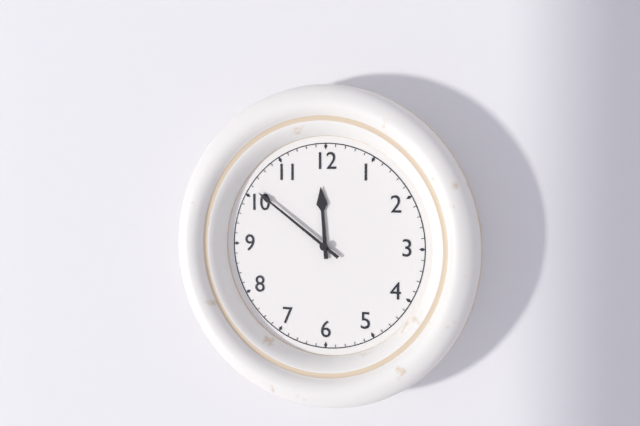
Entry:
h=11 m=51
